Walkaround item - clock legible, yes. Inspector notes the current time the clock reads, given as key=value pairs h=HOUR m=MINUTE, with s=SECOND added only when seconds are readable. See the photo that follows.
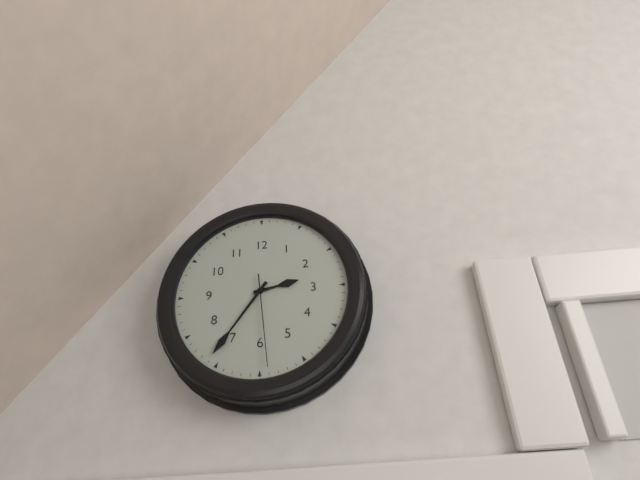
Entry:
h=2 m=36 s=29
